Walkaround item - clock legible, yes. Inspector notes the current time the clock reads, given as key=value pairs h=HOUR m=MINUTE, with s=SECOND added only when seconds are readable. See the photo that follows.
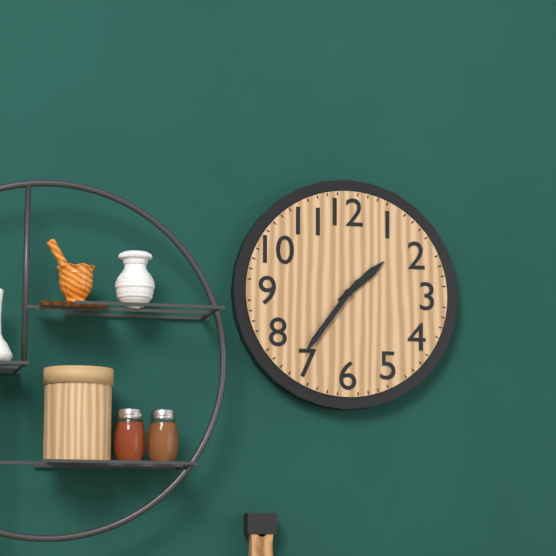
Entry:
h=1 m=36
